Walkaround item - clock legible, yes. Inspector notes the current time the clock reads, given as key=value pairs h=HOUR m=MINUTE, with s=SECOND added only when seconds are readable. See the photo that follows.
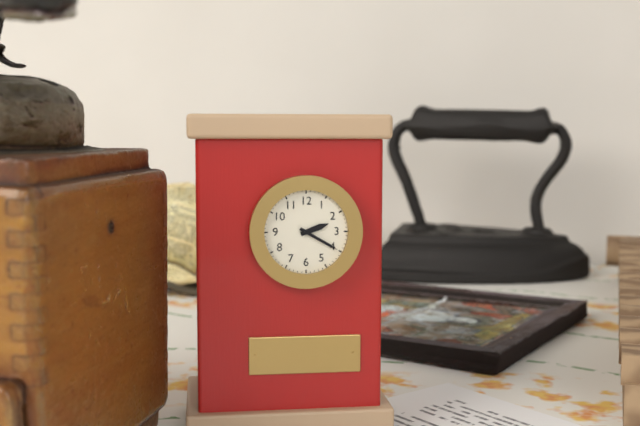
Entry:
h=2 m=20
